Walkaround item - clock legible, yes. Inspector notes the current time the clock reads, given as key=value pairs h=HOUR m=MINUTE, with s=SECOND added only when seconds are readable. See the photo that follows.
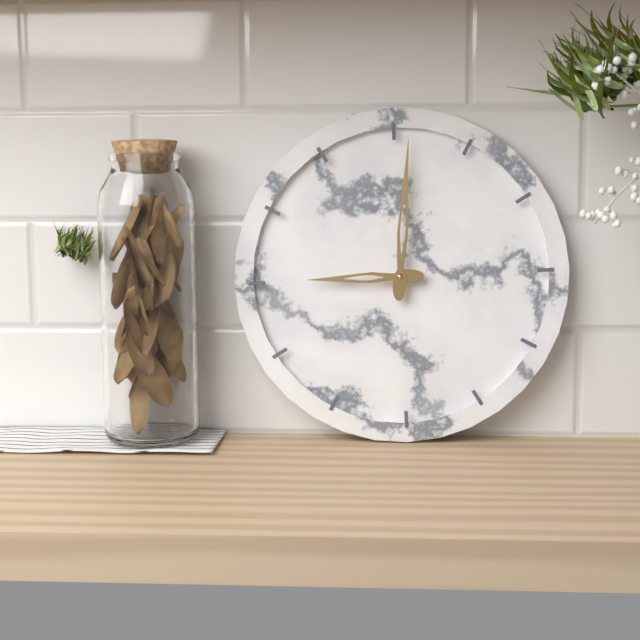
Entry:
h=9 m=1
